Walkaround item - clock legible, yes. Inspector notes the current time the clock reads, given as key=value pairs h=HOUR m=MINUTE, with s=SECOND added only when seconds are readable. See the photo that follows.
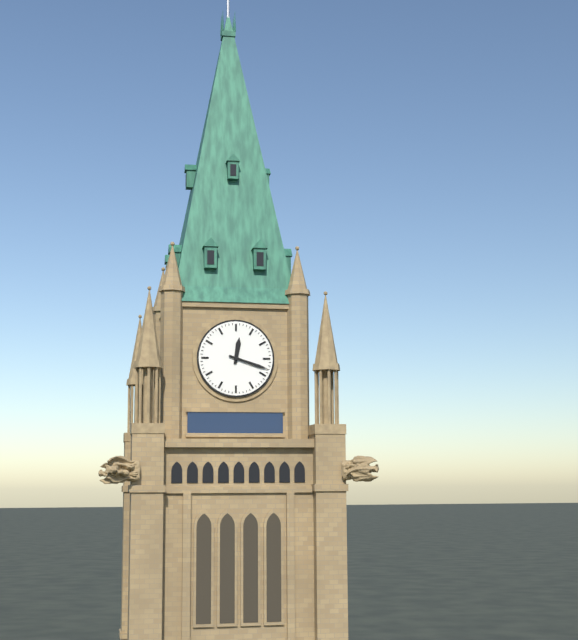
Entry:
h=12 m=18
